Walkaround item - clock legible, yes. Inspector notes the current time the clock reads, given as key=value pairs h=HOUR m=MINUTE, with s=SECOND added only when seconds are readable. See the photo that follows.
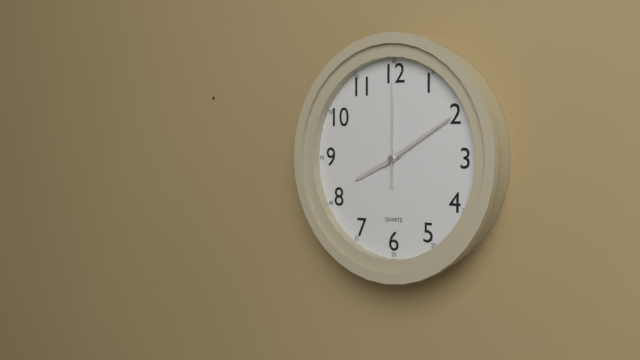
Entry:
h=8 m=10 s=0
